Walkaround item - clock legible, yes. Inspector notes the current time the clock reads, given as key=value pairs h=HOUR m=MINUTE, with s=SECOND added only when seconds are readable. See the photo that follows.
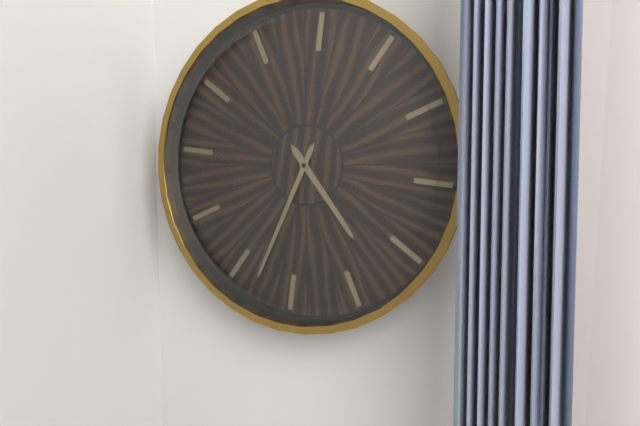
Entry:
h=4 m=33
